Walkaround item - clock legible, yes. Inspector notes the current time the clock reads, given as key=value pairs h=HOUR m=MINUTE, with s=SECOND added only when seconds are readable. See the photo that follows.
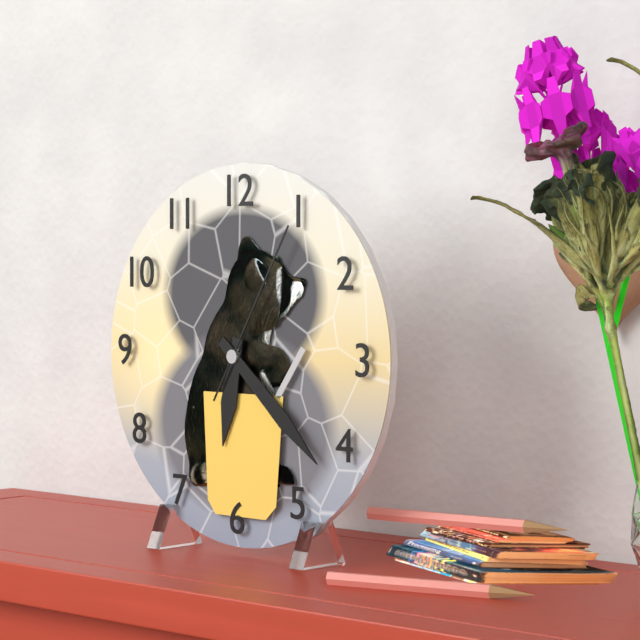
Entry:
h=6 m=22 s=5
